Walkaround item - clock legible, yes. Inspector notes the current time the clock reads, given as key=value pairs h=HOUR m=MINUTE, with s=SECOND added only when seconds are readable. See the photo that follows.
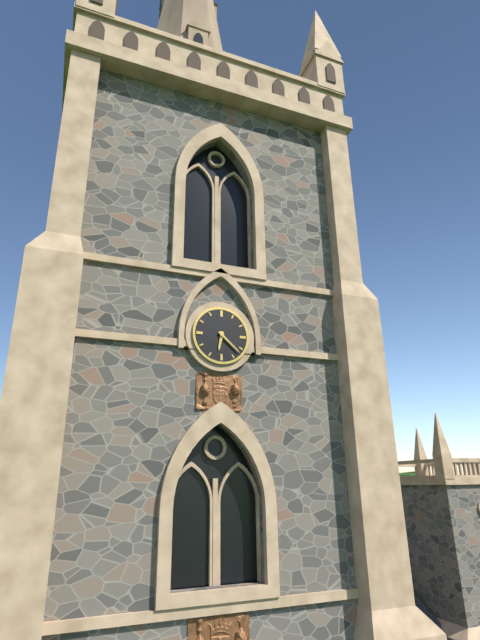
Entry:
h=6 m=22
